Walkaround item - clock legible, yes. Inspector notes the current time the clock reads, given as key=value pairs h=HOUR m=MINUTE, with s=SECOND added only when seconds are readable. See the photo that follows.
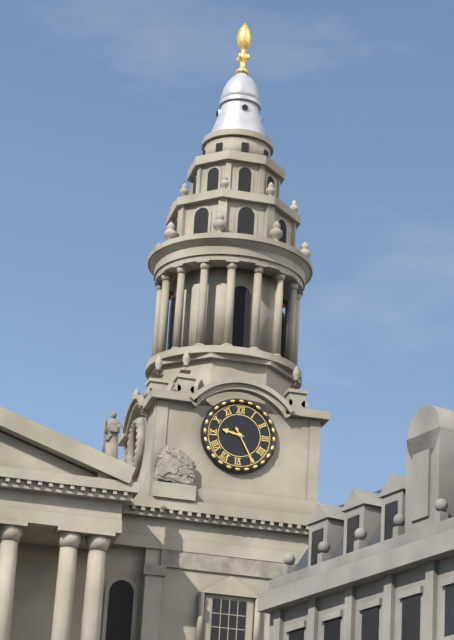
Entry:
h=9 m=25
